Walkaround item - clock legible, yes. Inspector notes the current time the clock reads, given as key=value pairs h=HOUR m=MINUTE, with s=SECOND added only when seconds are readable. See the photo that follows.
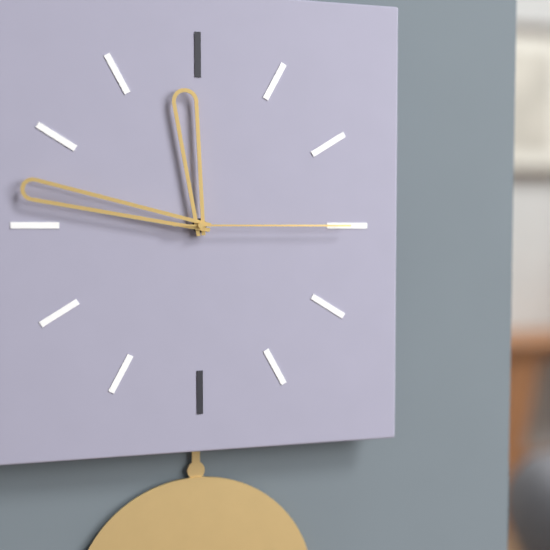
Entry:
h=11 m=47 s=15
